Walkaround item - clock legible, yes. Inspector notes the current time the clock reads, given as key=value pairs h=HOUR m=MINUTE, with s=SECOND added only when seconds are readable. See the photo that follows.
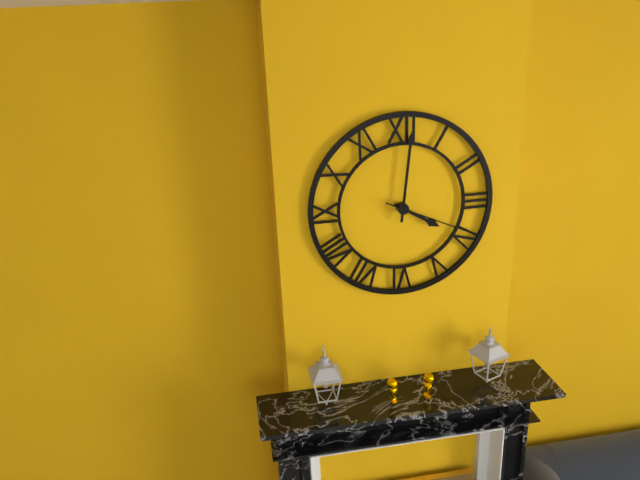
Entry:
h=4 m=1 s=19
